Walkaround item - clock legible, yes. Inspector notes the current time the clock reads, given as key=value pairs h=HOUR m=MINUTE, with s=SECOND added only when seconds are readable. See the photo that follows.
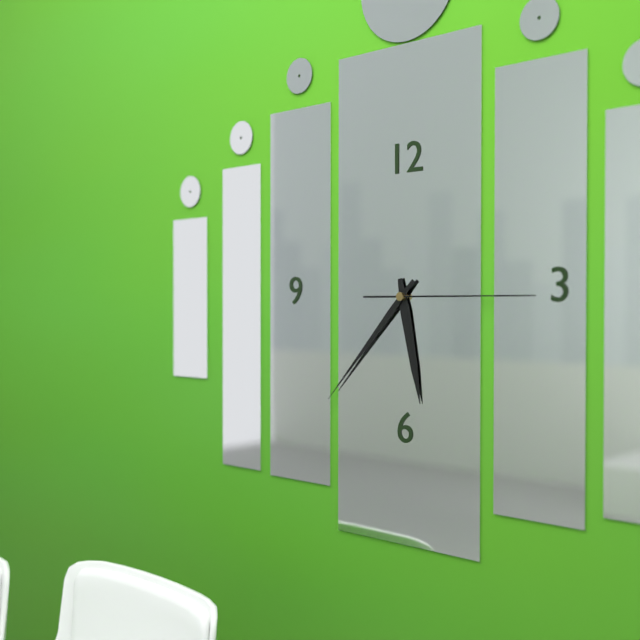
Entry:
h=5 m=37 s=15
